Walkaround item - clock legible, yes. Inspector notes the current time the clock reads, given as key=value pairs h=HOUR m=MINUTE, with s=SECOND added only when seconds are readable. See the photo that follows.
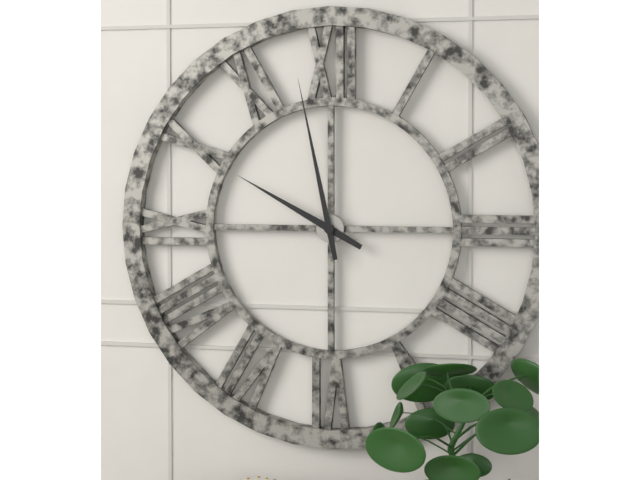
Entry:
h=9 m=58
